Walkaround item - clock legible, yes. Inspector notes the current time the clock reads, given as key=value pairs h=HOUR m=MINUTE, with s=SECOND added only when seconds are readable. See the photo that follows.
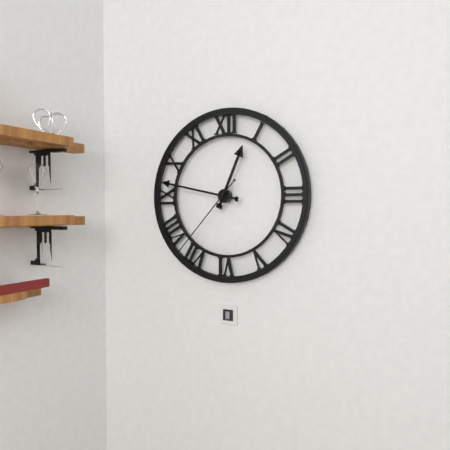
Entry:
h=12 m=47 s=37
